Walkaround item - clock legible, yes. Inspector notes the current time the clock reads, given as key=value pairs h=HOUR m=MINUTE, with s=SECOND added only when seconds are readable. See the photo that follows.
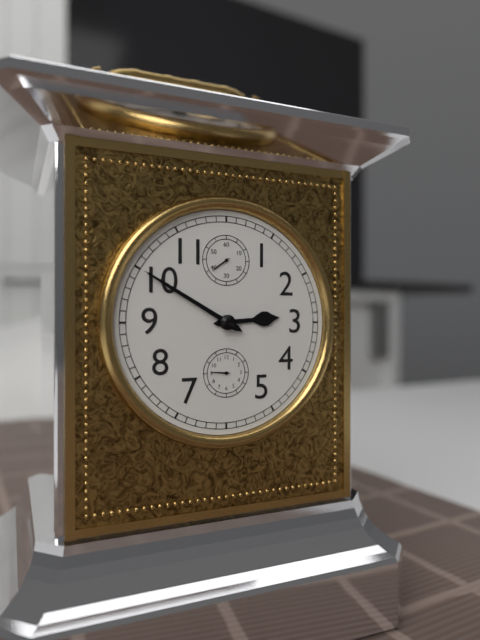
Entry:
h=2 m=50
